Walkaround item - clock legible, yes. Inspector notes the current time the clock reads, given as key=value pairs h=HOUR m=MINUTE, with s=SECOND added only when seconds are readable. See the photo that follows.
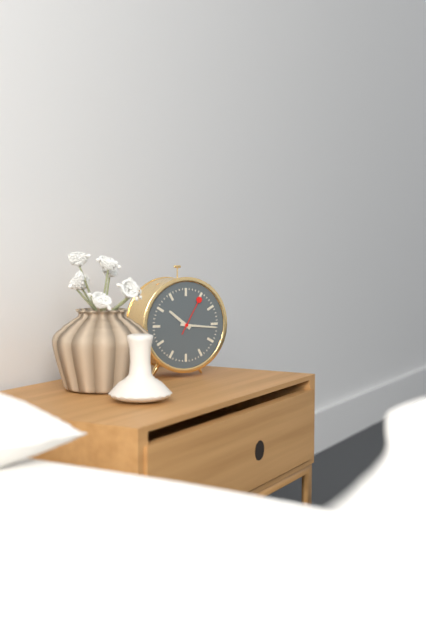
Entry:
h=10 m=16
